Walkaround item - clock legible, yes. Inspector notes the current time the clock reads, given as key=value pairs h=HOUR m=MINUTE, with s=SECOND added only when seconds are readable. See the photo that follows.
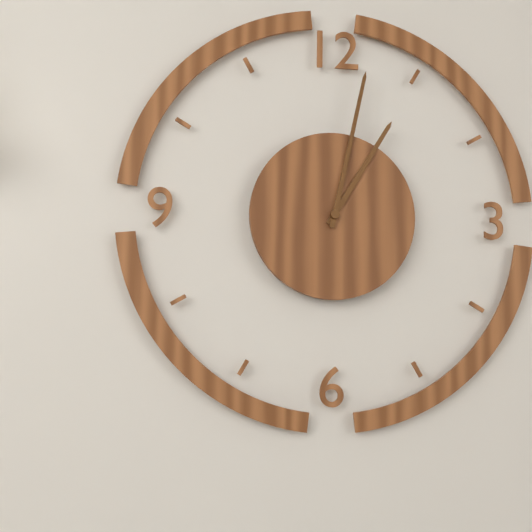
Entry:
h=1 m=2
